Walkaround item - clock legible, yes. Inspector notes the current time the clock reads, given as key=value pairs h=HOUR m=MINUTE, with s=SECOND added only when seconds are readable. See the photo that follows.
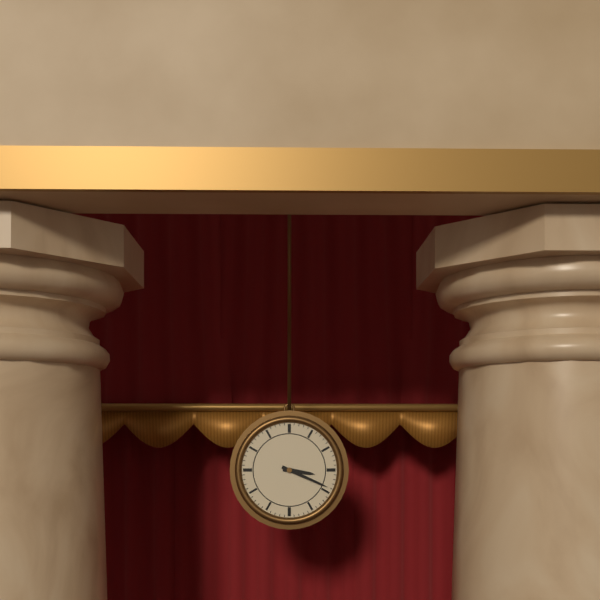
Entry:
h=3 m=19
